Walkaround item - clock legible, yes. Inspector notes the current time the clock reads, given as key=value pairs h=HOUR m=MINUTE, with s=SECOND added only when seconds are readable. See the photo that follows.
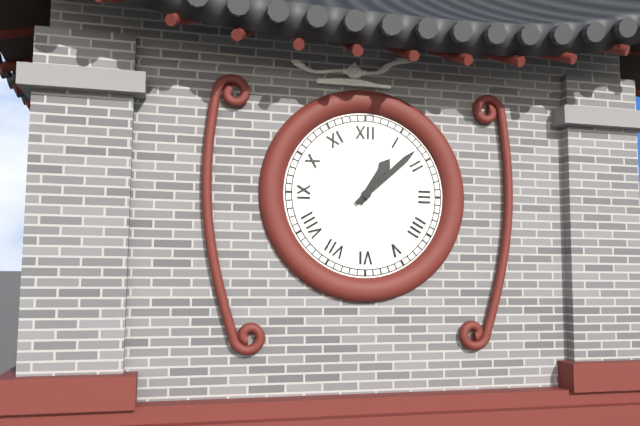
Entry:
h=1 m=8
